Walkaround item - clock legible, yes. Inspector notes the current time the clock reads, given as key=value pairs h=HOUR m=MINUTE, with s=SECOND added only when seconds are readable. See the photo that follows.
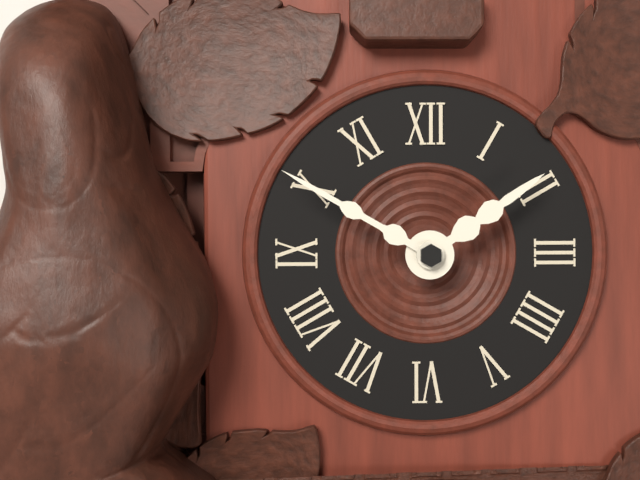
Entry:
h=1 m=50
